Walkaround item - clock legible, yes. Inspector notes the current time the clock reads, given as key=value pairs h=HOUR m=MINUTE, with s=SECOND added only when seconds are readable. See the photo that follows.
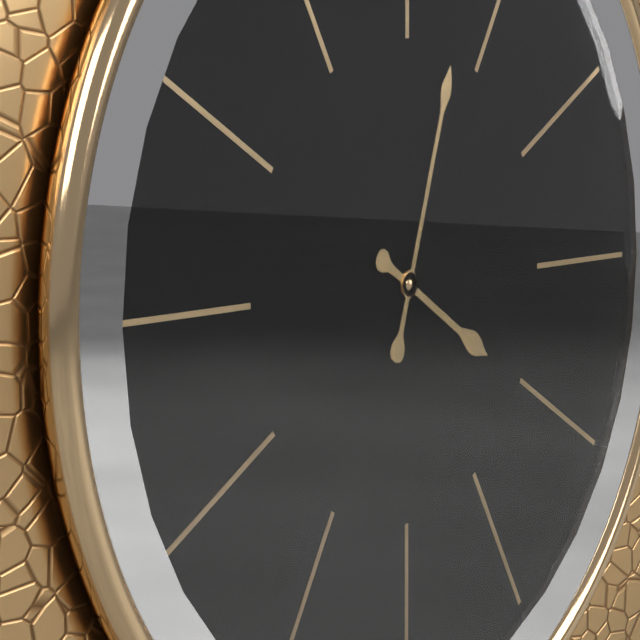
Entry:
h=4 m=3
